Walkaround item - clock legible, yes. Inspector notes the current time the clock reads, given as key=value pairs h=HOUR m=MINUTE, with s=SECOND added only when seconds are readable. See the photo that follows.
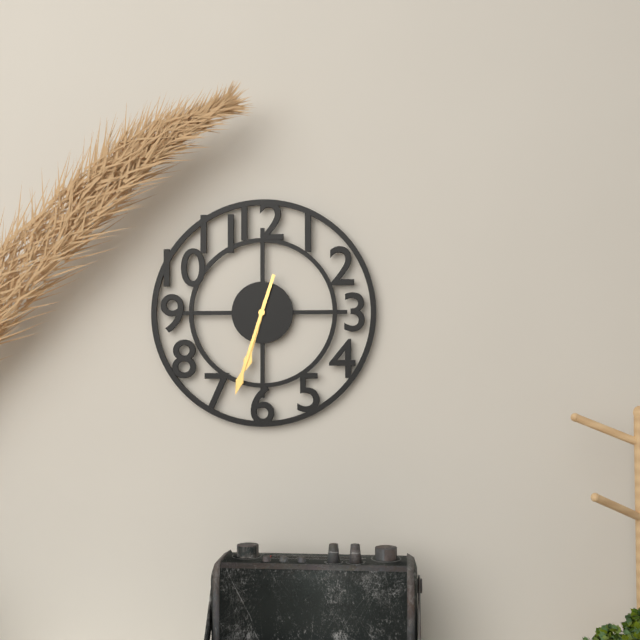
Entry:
h=6 m=33
